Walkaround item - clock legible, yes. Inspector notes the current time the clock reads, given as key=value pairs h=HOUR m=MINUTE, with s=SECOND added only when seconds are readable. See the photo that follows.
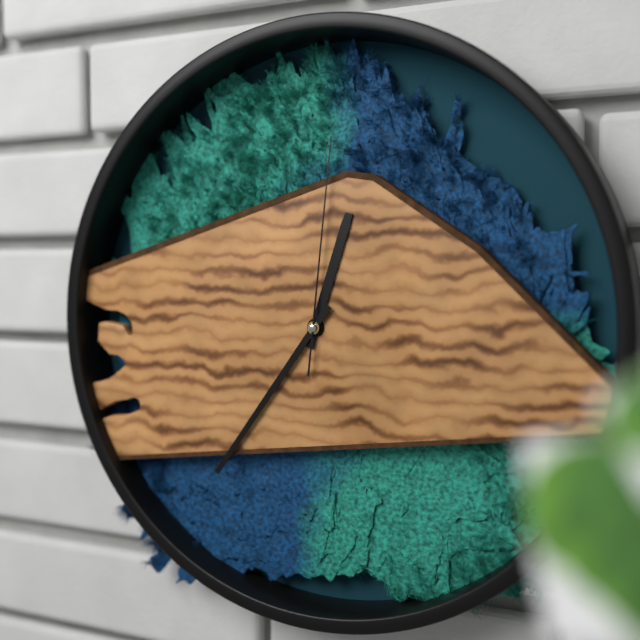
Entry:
h=12 m=36 s=1
